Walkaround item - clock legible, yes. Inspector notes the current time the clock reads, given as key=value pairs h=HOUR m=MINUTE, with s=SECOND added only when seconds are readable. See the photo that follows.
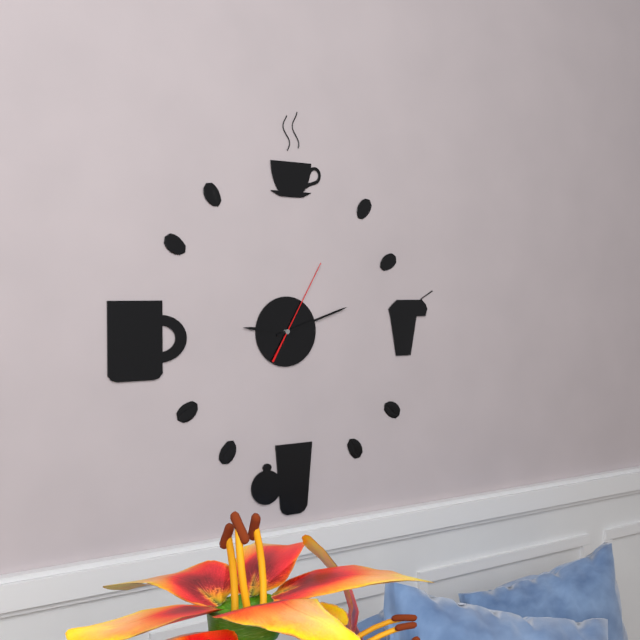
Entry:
h=9 m=12 s=5
